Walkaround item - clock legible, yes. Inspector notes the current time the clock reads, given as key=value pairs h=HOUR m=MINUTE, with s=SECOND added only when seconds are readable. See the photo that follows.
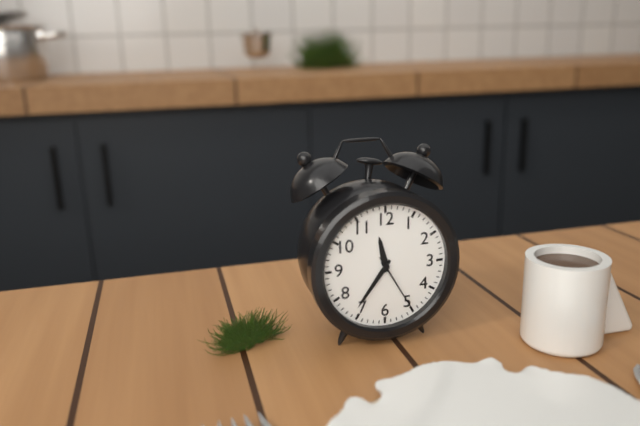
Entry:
h=11 m=36 s=25
